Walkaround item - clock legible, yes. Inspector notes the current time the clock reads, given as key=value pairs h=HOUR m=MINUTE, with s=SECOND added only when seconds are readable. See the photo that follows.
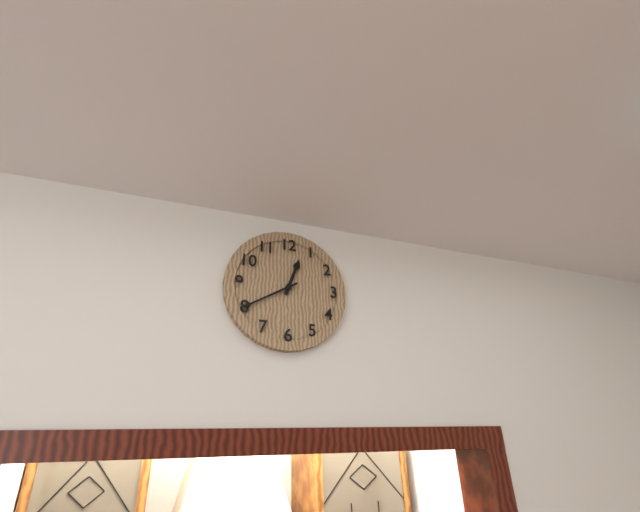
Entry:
h=12 m=40
